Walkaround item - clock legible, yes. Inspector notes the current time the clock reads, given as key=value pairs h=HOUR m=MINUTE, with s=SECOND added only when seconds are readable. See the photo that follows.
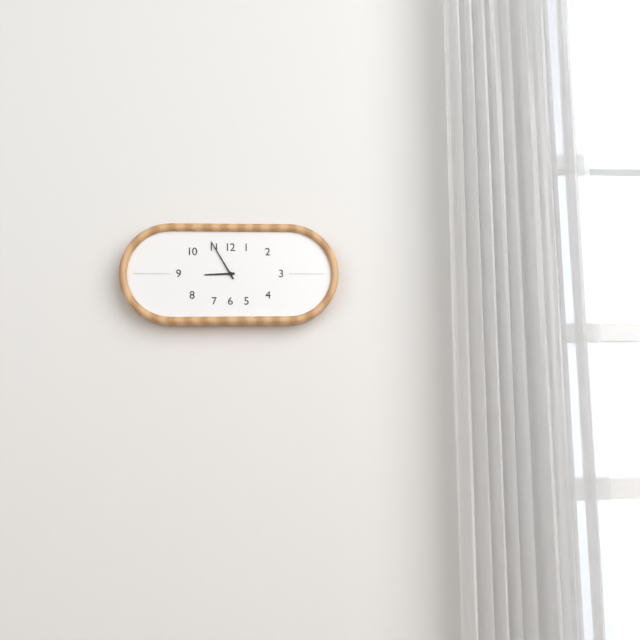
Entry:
h=8 m=55
